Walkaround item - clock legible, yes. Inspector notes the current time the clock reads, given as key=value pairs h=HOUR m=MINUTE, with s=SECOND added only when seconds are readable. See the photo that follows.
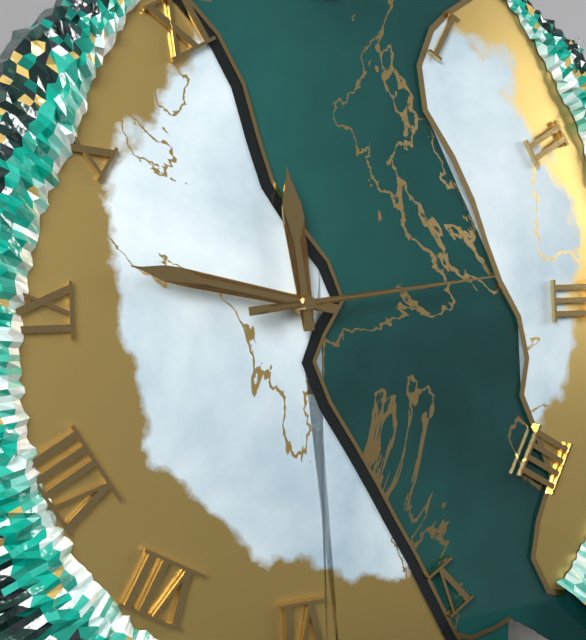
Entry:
h=11 m=47 s=14
